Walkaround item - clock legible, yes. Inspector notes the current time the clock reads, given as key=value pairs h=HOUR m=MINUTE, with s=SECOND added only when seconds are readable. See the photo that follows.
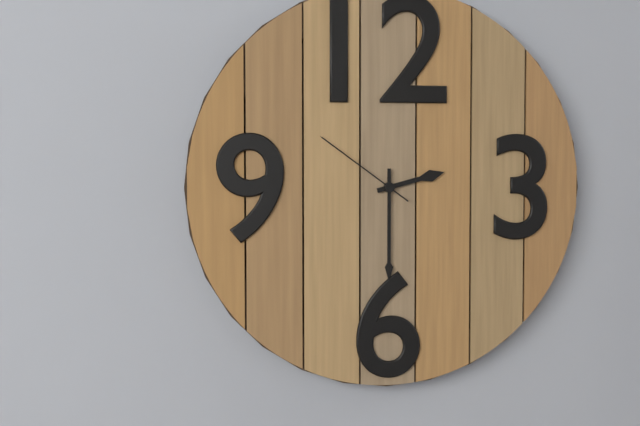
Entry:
h=2 m=30 s=51
